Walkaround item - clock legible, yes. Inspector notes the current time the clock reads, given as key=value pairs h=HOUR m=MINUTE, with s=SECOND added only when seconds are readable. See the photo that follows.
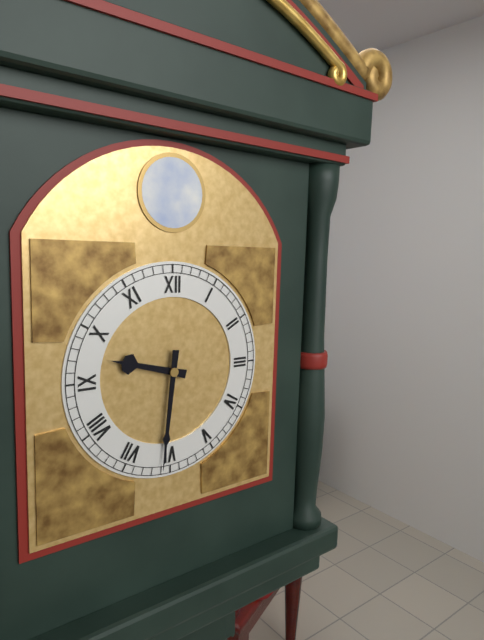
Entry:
h=9 m=31
